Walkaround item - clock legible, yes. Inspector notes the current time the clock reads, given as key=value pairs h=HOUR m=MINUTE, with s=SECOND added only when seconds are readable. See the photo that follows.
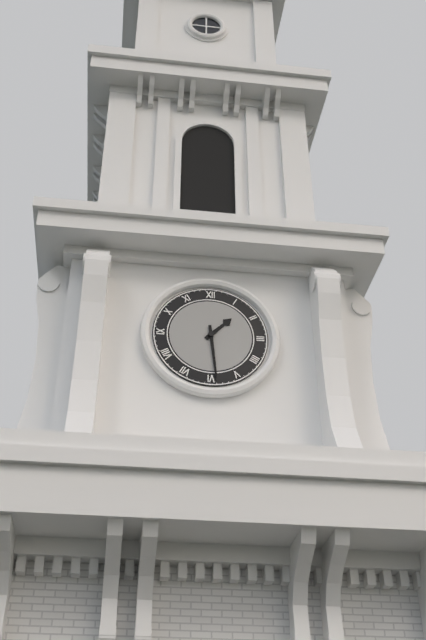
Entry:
h=1 m=29
